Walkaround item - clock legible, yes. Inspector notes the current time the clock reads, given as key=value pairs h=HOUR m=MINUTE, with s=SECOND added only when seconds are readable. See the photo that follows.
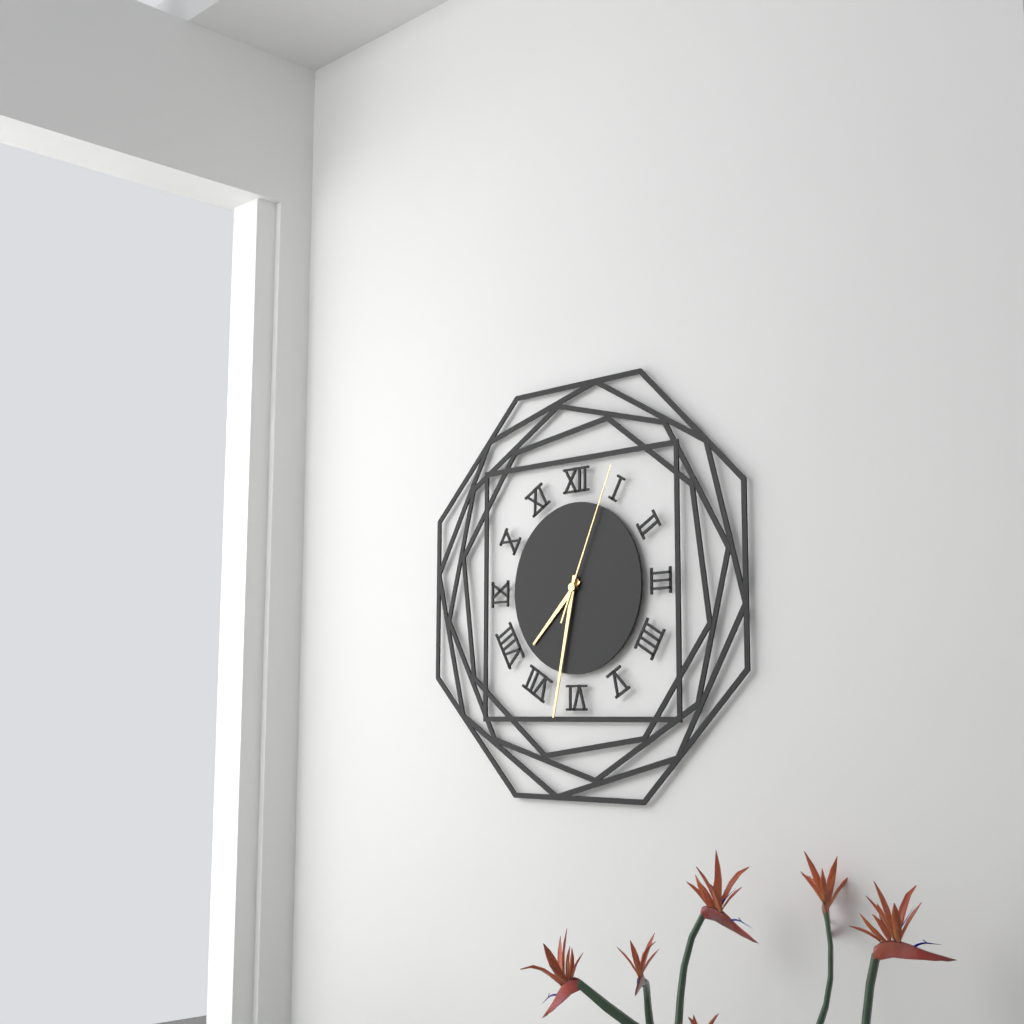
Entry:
h=7 m=32 s=4
